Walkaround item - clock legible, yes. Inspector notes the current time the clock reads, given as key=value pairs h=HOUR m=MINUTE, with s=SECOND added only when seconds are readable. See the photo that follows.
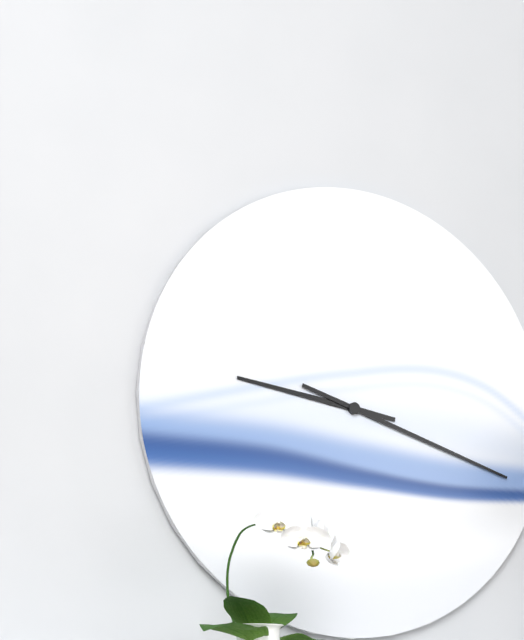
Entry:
h=9 m=18
